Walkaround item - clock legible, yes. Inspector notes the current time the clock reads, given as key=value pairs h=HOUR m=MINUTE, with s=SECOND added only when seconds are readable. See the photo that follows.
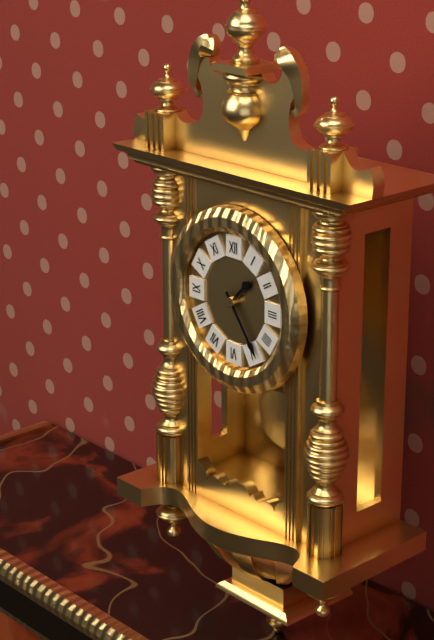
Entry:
h=1 m=24
